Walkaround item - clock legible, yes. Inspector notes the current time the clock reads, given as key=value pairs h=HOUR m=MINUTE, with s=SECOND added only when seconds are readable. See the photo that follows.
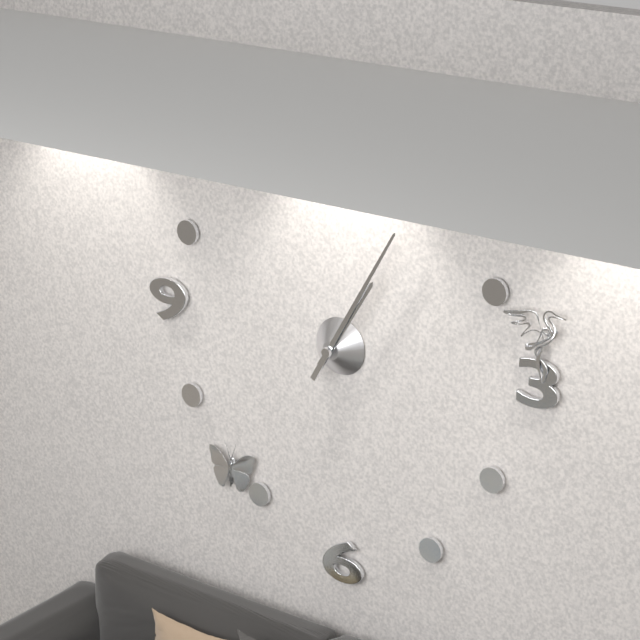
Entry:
h=1 m=5
